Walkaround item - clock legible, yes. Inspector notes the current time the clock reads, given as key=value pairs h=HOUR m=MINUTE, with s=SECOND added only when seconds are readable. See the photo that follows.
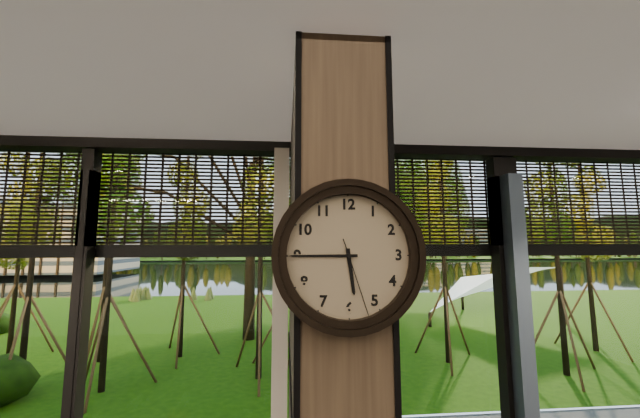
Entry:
h=5 m=45 s=27
